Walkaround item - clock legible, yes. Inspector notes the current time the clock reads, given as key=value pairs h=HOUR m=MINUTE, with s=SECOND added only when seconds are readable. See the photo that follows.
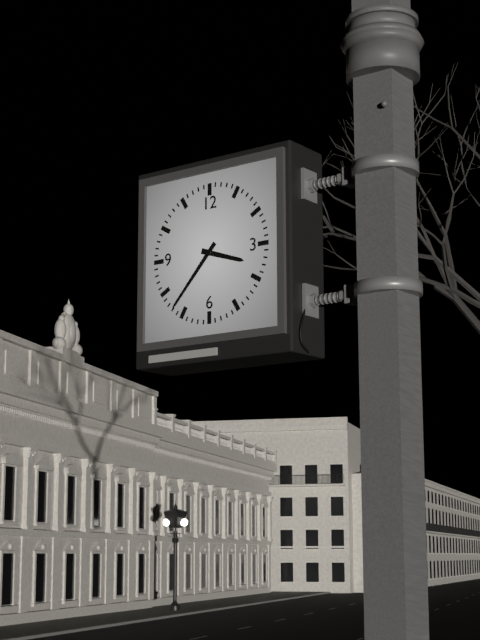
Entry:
h=3 m=37
